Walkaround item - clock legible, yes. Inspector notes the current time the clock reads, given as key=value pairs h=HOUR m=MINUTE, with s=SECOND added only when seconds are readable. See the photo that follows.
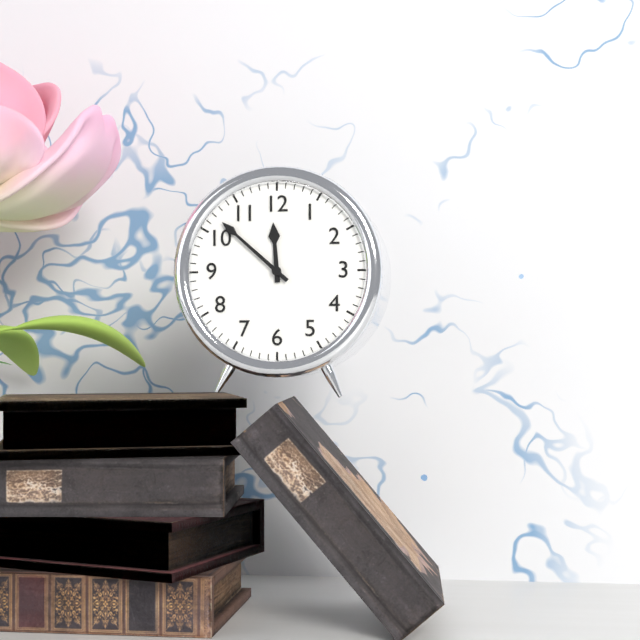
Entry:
h=11 m=52
